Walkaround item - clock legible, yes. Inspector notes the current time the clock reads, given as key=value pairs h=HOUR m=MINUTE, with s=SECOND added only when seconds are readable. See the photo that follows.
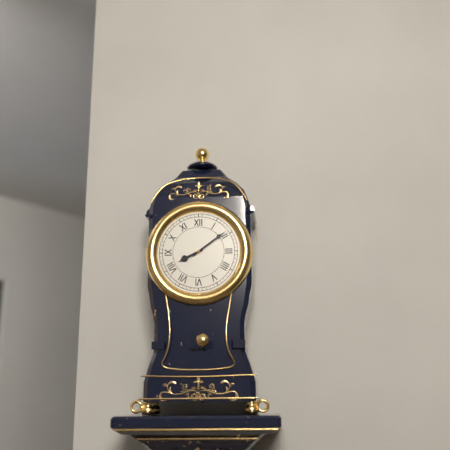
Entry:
h=8 m=9
